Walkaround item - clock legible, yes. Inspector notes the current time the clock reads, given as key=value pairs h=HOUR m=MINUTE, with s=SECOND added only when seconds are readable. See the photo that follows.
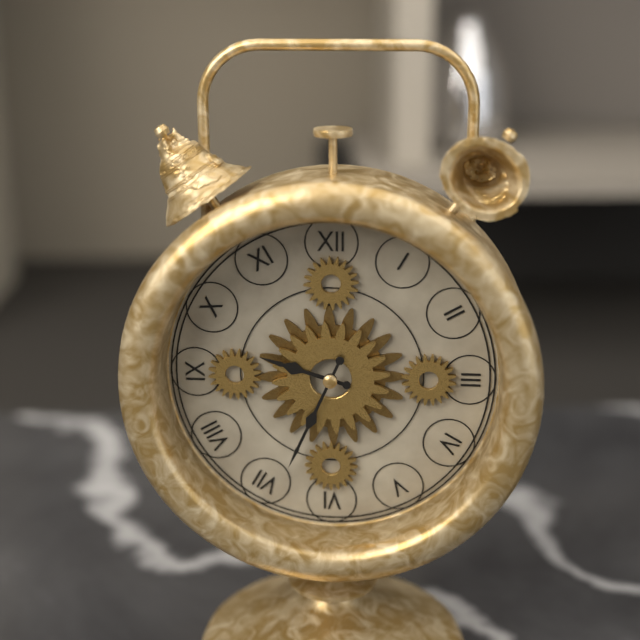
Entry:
h=9 m=34
